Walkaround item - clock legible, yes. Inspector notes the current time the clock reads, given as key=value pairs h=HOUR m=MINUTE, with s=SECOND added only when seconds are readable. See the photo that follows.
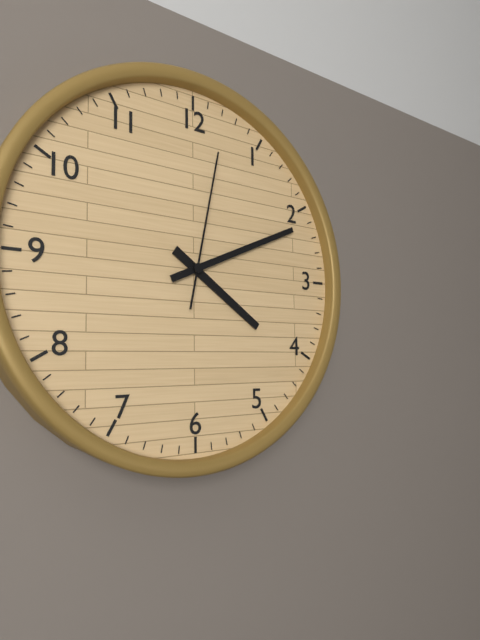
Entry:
h=4 m=11 s=2
